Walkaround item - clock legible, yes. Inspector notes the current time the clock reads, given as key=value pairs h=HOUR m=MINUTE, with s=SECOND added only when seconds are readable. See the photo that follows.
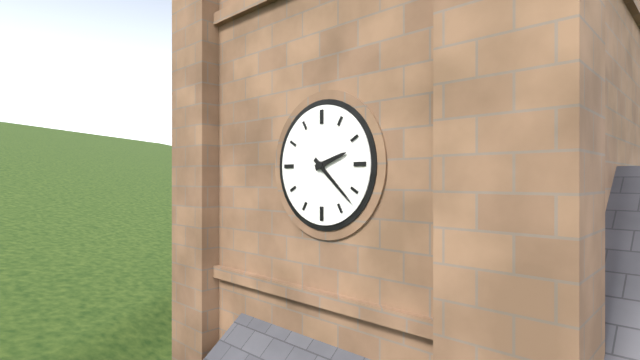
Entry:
h=2 m=22
